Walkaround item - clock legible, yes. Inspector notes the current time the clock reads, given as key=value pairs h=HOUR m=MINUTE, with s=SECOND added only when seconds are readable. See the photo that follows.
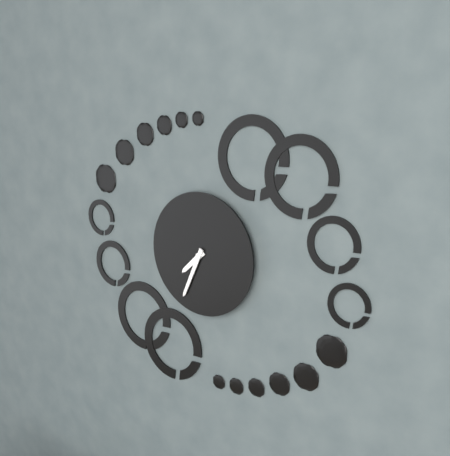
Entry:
h=7 m=34
